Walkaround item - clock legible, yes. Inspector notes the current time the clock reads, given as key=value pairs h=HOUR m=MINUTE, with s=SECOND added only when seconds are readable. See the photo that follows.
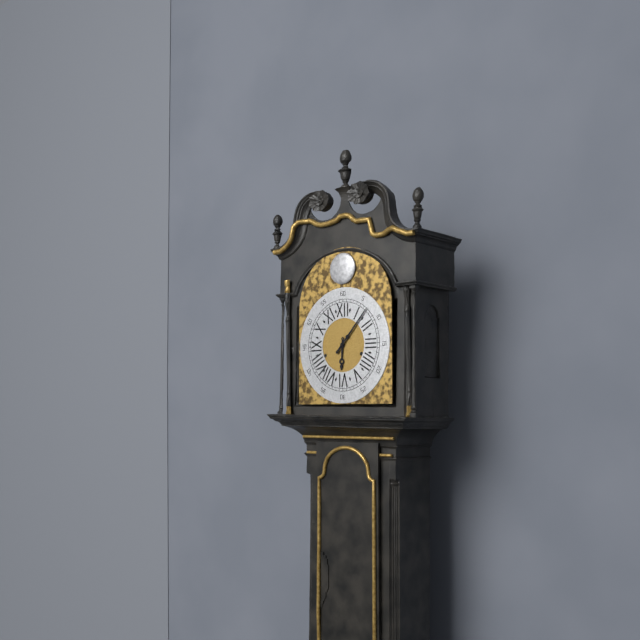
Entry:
h=6 m=7
